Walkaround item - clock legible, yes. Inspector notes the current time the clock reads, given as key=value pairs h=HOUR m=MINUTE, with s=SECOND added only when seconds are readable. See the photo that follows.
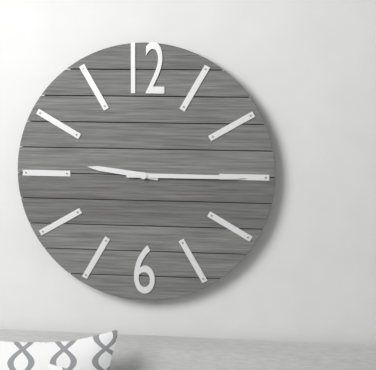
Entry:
h=9 m=15
